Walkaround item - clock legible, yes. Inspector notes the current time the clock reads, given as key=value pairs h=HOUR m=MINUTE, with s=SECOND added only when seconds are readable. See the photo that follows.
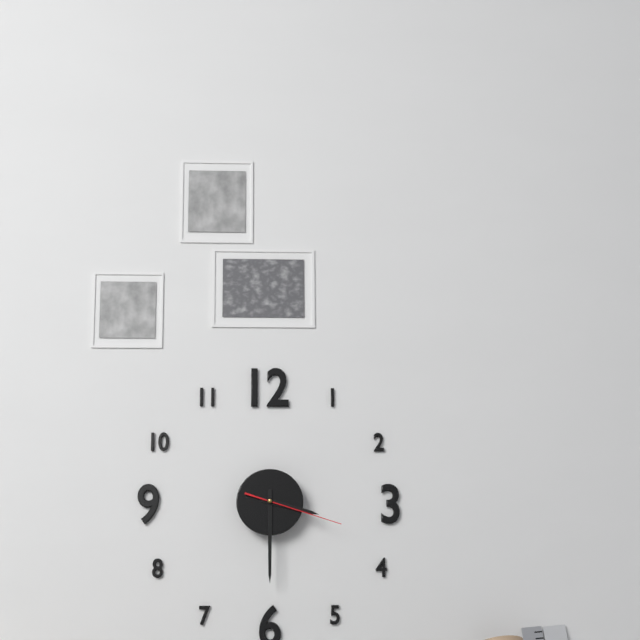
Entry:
h=3 m=30 s=18
